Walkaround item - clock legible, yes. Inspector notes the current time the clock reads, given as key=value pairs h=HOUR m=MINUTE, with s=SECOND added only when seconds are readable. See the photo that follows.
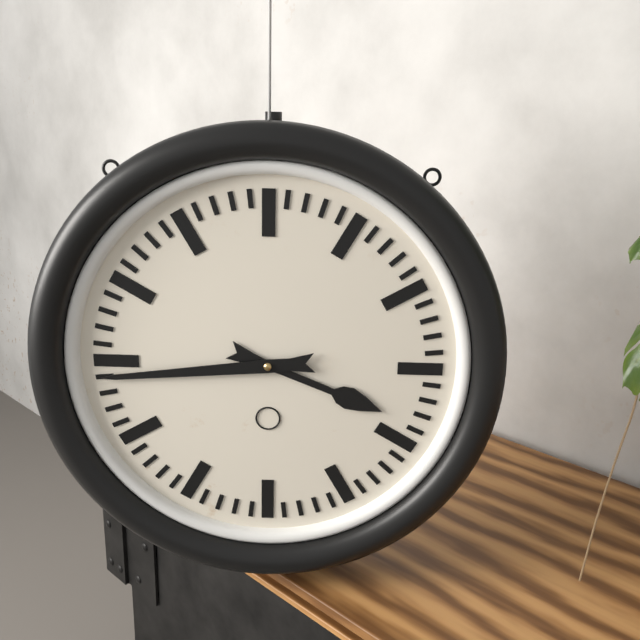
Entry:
h=3 m=44
